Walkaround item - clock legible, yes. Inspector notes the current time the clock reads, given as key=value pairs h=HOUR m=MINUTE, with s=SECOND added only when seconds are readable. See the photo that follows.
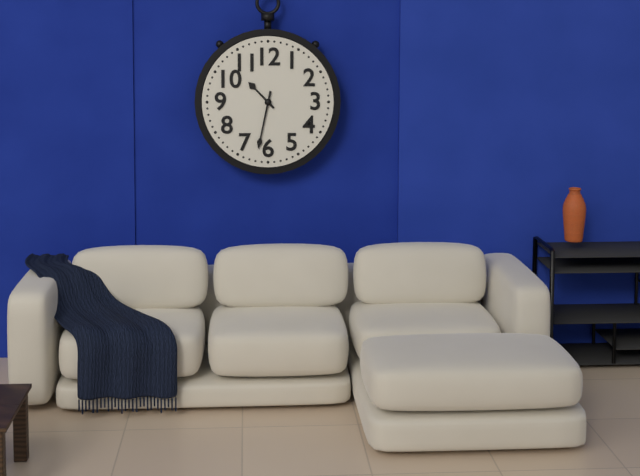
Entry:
h=10 m=32
